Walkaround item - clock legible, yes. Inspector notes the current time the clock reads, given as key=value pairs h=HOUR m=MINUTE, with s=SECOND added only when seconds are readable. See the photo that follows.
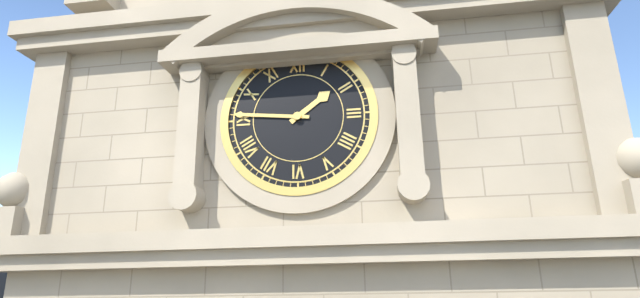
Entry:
h=1 m=46
